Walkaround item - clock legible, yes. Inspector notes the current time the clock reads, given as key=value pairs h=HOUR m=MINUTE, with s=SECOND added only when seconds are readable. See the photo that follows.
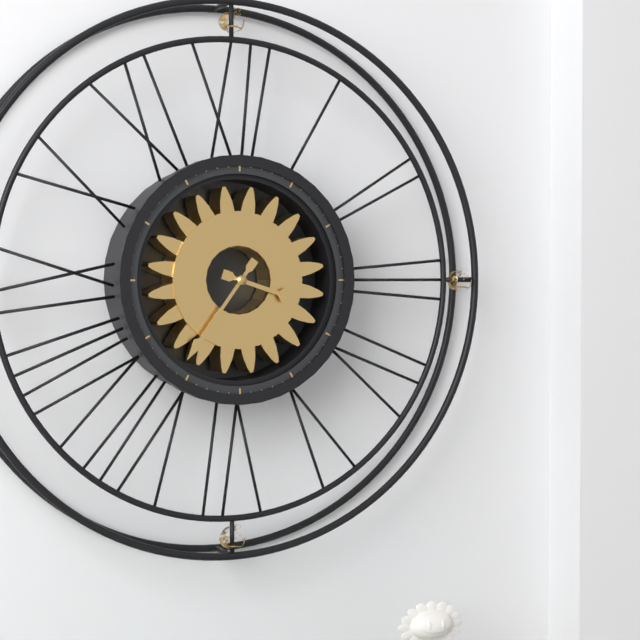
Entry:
h=3 m=36
